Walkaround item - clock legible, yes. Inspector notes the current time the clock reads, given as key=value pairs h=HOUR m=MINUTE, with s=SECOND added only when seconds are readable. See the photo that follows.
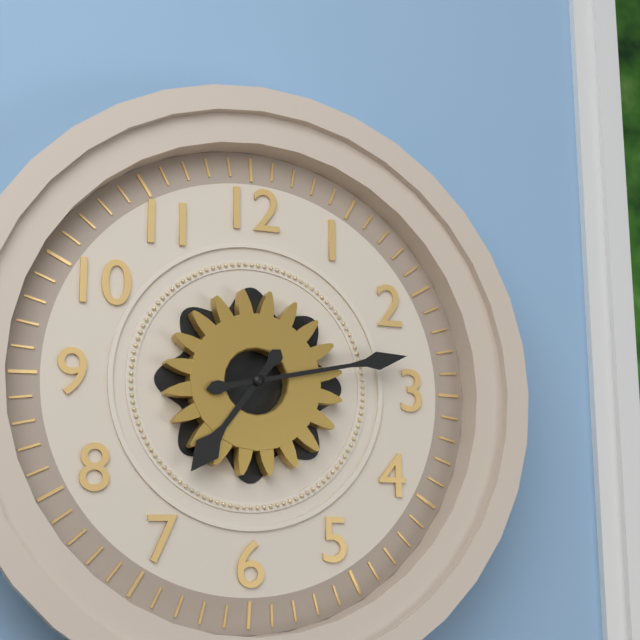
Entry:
h=7 m=13
